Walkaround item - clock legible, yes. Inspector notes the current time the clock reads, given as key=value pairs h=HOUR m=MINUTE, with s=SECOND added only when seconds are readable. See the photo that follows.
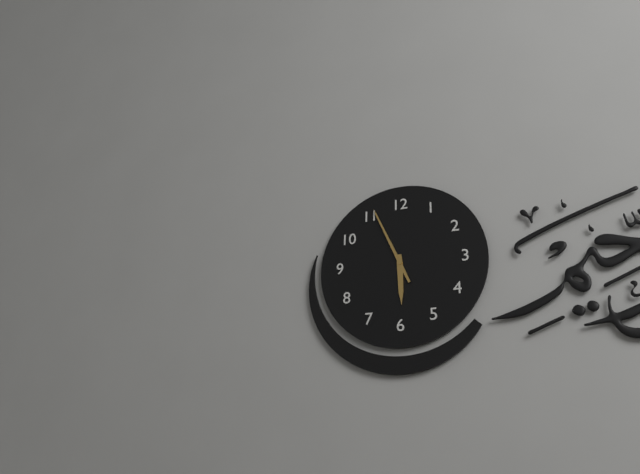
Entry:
h=5 m=56
